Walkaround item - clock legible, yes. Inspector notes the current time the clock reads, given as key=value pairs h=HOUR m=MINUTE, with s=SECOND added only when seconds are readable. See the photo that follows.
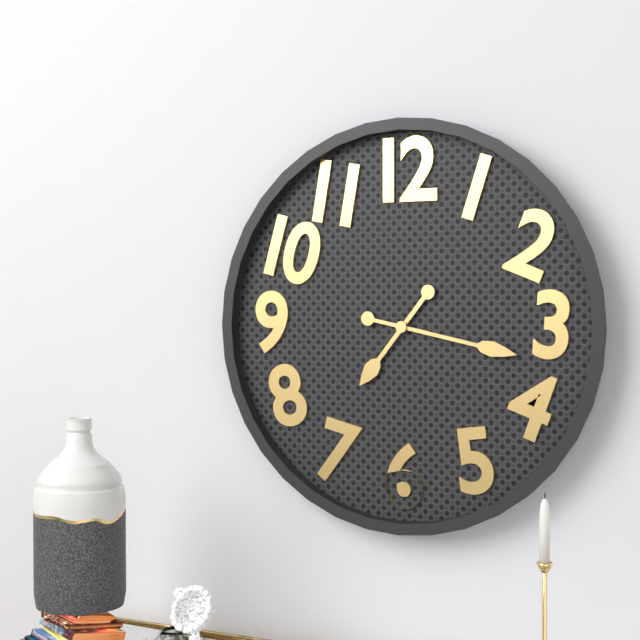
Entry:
h=7 m=17
